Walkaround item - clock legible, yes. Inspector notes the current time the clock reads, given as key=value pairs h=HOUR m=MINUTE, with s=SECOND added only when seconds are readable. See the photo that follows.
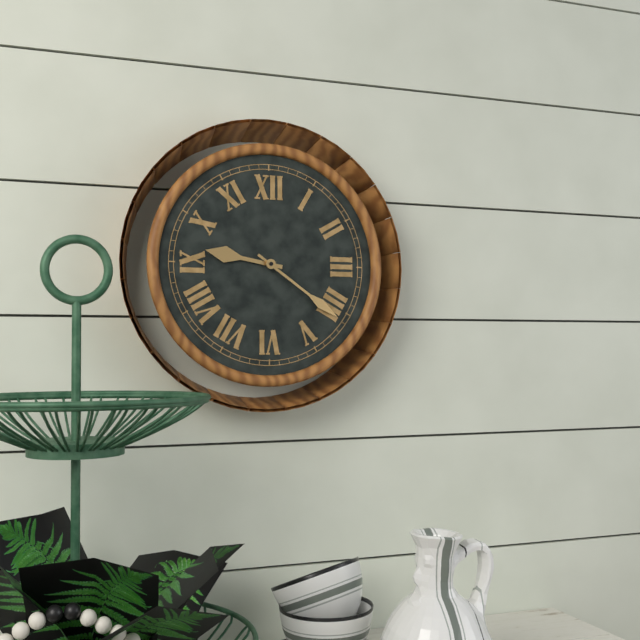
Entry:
h=9 m=21
